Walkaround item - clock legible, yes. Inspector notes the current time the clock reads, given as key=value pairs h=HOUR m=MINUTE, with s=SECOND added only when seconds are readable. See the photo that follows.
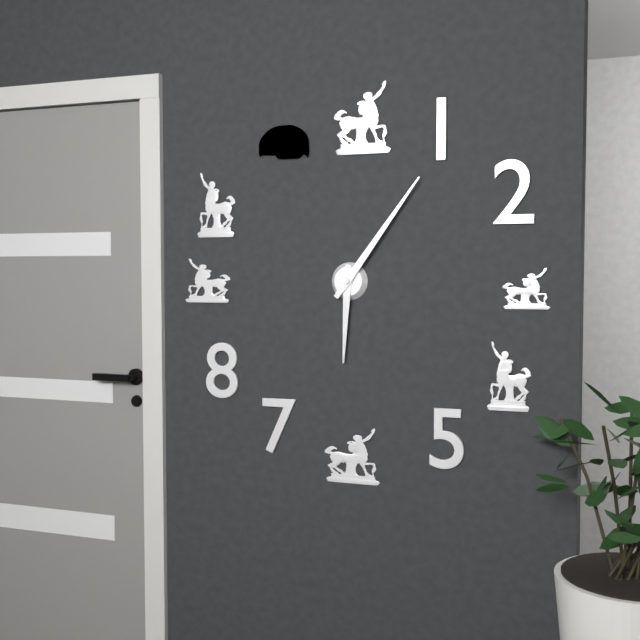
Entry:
h=6 m=6
